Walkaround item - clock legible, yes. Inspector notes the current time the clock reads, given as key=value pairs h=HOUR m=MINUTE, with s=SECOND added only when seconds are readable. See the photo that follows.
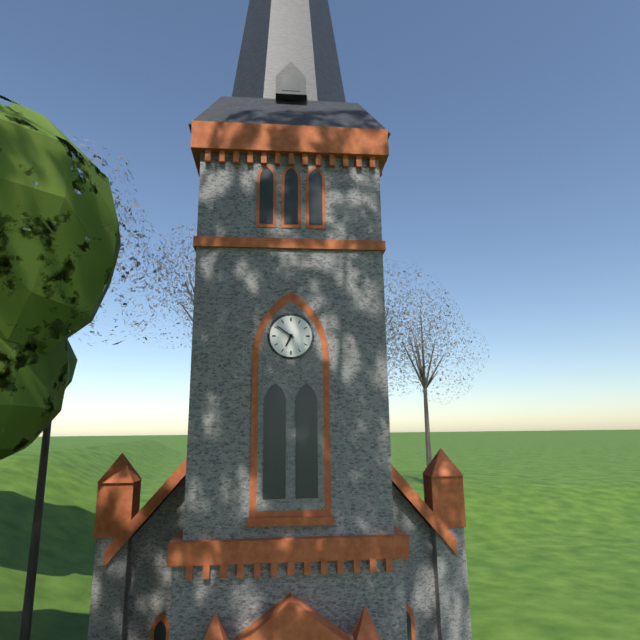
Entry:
h=6 m=51
